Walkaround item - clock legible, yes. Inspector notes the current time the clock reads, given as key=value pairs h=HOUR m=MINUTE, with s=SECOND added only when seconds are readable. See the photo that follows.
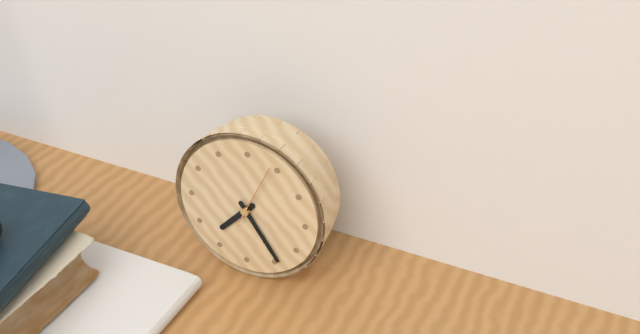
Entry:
h=7 m=24 s=4
